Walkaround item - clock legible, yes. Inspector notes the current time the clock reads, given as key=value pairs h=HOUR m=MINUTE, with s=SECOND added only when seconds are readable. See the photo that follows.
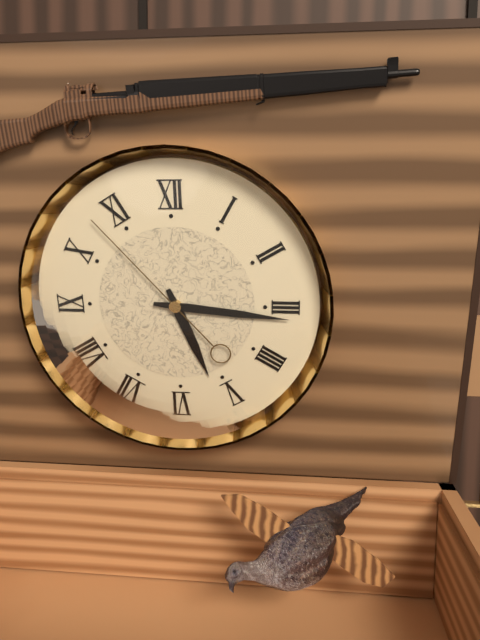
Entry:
h=5 m=16 s=53
